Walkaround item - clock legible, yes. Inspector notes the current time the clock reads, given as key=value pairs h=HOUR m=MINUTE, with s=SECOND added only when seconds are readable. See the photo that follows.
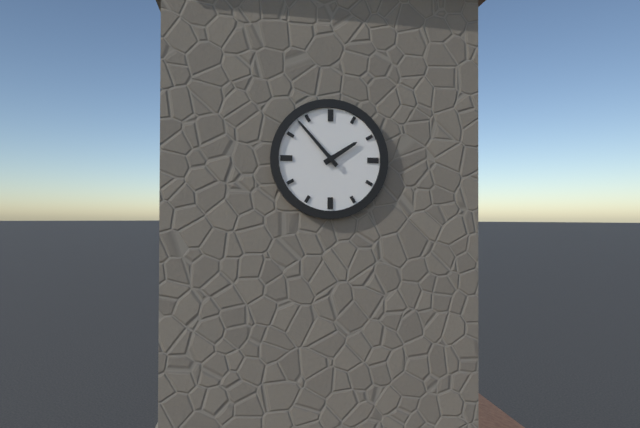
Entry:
h=1 m=53
